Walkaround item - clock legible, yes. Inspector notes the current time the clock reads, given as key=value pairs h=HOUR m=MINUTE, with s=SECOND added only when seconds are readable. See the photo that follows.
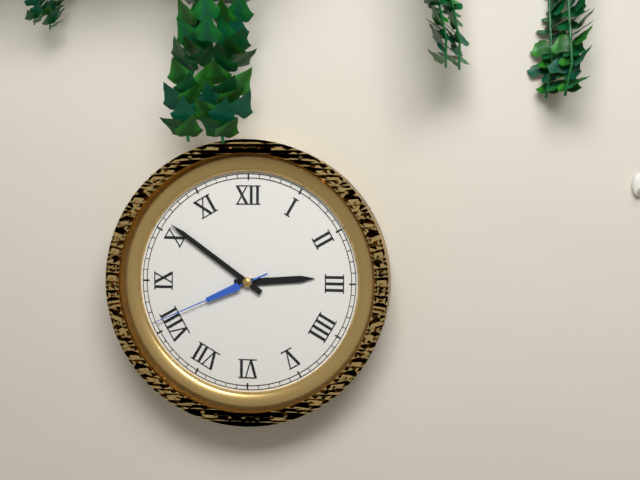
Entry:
h=2 m=51 s=41
